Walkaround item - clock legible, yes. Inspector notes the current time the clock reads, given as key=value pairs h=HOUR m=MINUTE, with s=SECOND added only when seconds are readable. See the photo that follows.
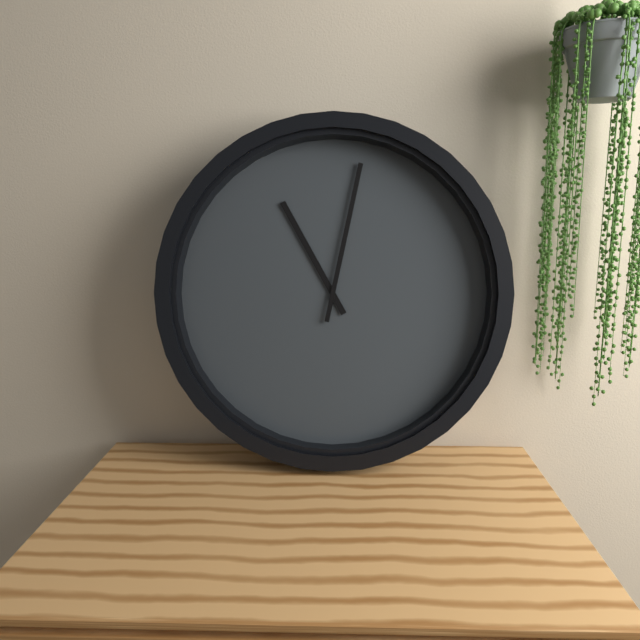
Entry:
h=11 m=2
